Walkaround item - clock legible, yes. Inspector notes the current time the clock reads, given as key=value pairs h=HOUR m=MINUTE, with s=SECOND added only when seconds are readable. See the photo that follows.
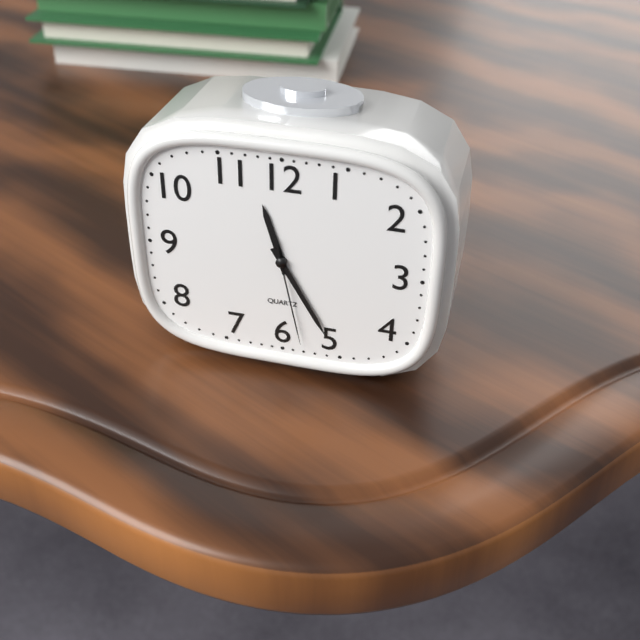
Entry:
h=11 m=25 s=28
